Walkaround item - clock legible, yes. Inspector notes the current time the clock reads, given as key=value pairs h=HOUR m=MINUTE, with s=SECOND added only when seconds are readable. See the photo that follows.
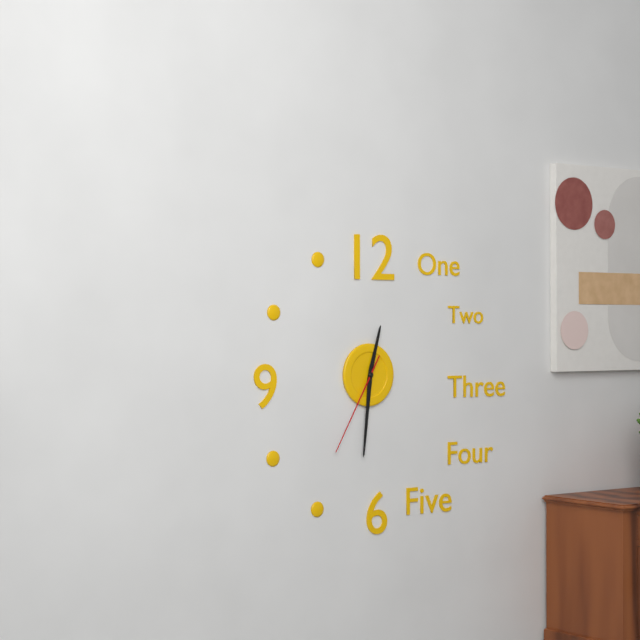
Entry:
h=12 m=31 s=35
